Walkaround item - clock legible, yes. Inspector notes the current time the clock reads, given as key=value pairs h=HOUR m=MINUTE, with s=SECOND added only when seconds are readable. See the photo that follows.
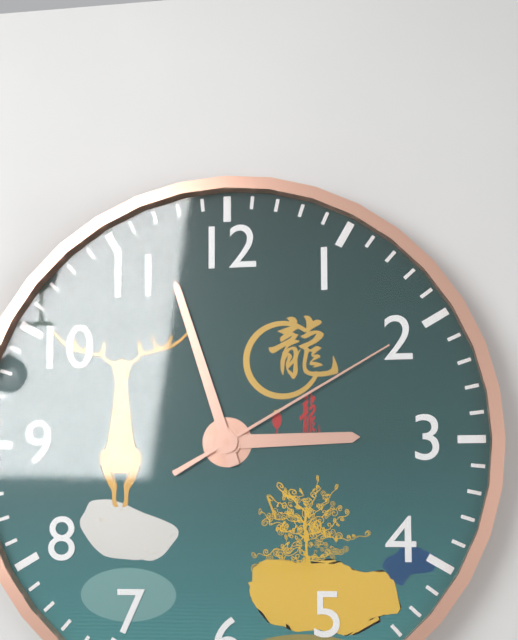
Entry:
h=2 m=57 s=10
